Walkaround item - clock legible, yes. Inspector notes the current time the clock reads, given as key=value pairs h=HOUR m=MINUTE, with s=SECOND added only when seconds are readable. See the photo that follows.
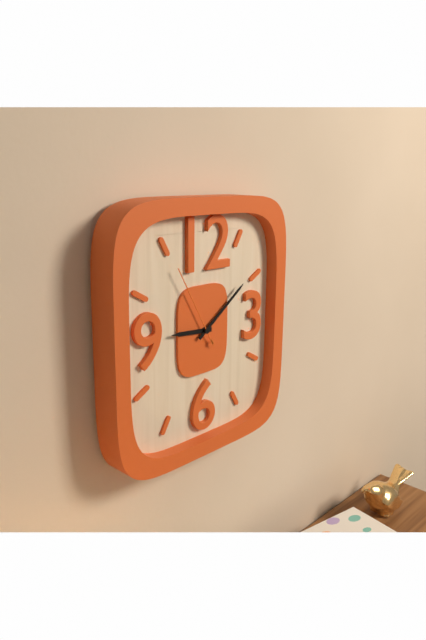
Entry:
h=9 m=9 s=55
